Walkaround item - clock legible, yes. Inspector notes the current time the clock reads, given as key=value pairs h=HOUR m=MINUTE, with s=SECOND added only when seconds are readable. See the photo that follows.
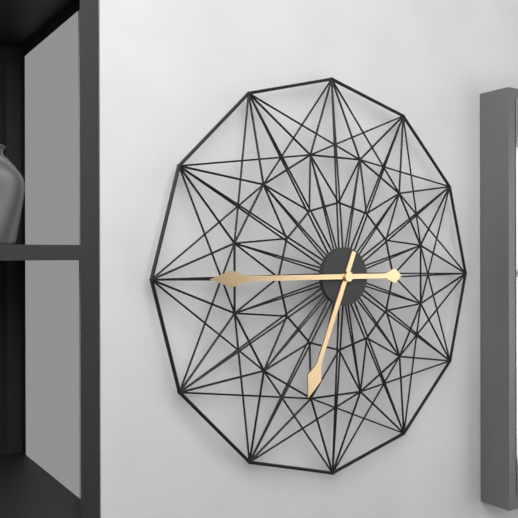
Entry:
h=6 m=45
